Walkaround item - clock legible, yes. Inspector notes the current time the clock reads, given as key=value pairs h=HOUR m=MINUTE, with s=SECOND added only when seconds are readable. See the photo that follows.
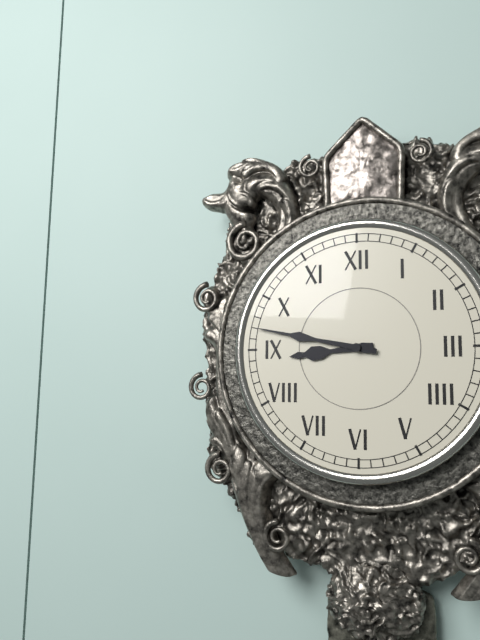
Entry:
h=8 m=47
